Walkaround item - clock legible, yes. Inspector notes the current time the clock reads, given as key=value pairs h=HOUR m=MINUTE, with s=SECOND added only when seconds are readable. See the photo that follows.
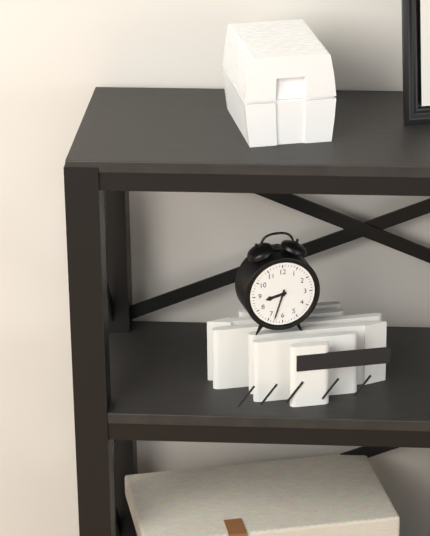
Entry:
h=8 m=33
